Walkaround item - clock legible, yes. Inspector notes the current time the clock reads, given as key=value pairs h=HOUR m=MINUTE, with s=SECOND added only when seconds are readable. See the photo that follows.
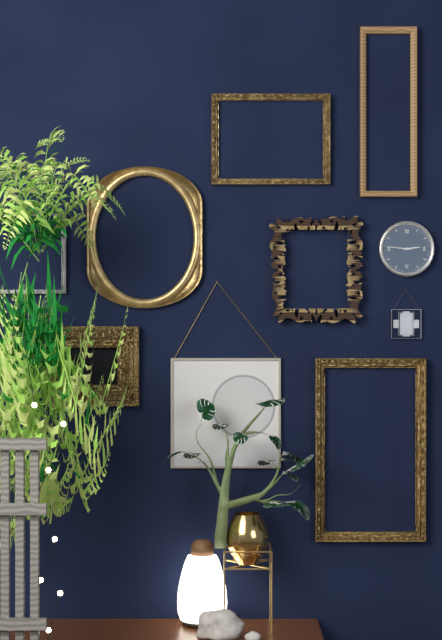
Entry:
h=2 m=46
